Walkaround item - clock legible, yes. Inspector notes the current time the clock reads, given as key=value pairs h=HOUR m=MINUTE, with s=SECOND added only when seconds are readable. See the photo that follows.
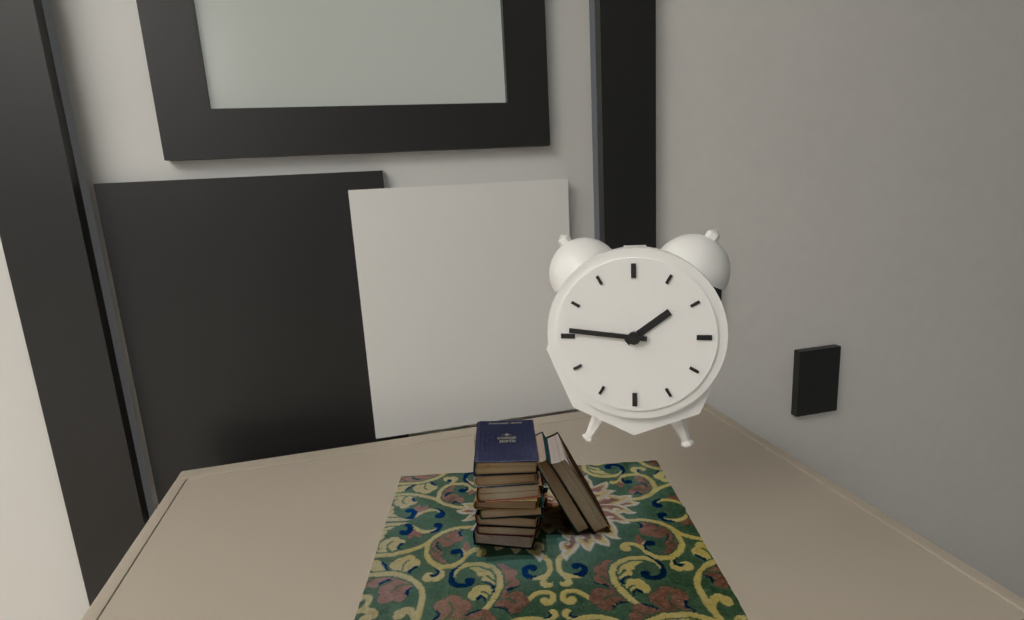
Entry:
h=1 m=46
